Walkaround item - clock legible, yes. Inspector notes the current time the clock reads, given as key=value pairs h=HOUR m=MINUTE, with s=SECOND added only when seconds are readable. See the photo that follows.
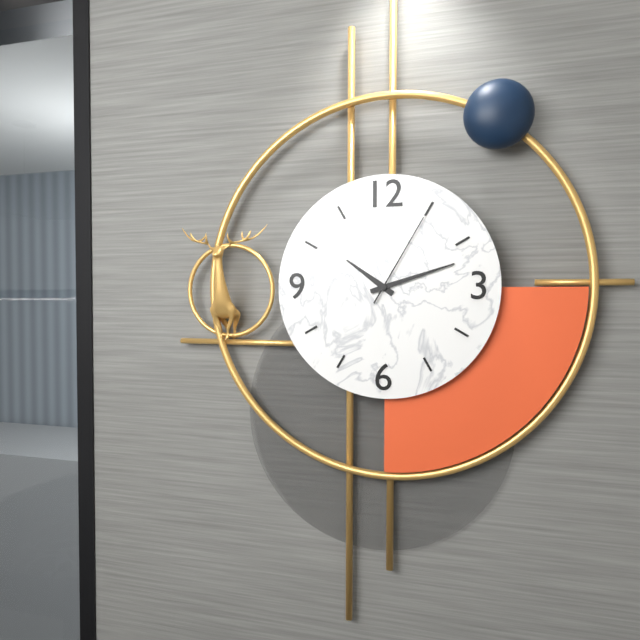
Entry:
h=10 m=12 s=5
